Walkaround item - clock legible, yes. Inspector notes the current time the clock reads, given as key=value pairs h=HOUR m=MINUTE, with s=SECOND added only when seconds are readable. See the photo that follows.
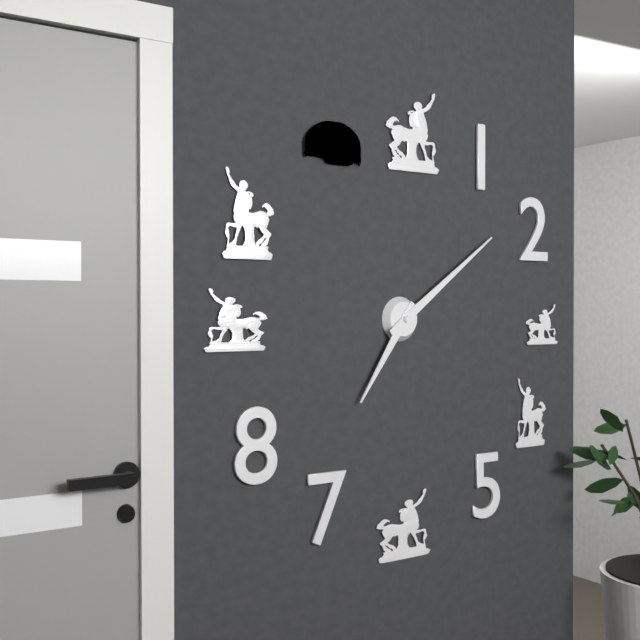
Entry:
h=7 m=9
